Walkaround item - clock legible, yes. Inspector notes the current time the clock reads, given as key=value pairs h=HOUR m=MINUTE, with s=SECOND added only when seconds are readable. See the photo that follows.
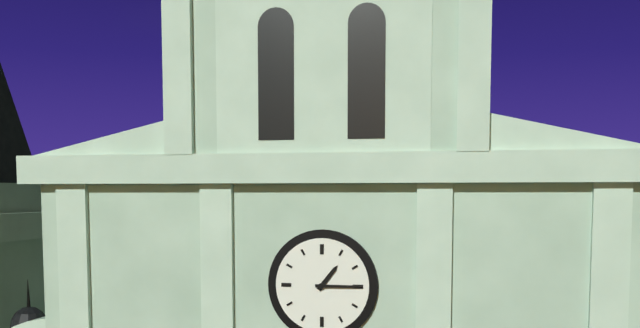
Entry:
h=1 m=15
